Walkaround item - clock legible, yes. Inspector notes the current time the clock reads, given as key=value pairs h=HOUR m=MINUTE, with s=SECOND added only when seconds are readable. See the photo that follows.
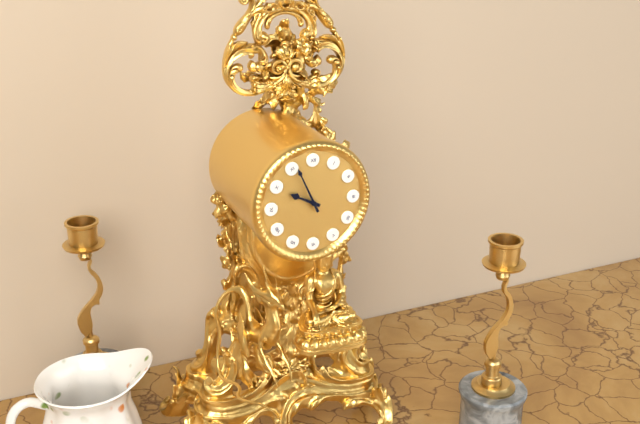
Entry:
h=9 m=56
